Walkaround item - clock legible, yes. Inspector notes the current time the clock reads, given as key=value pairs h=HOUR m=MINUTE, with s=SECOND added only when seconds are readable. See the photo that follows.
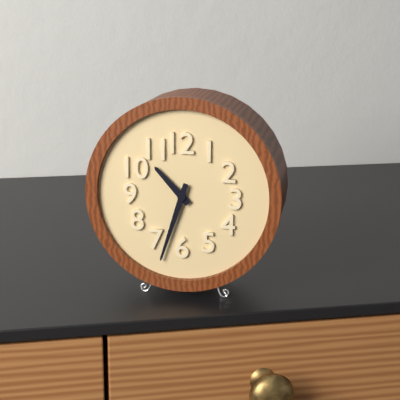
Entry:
h=10 m=33
